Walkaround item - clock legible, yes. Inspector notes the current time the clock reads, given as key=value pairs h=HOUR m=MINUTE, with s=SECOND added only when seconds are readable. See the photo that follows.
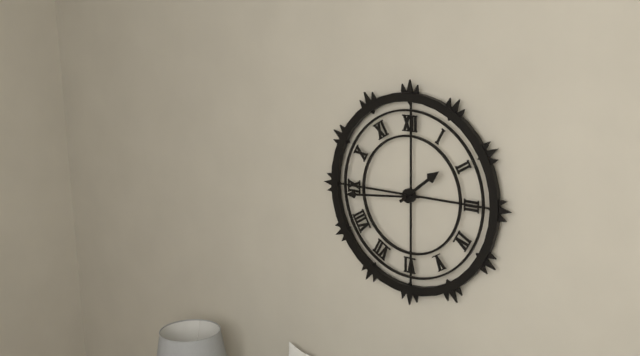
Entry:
h=1 m=44
